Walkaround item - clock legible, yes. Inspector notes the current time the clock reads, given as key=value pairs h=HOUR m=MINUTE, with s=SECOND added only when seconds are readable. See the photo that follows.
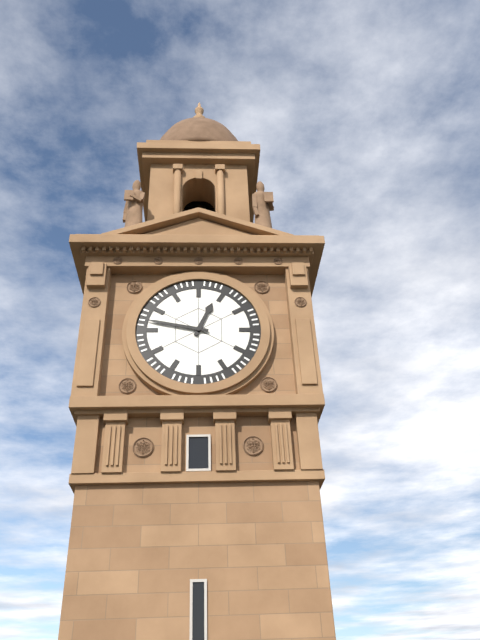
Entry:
h=12 m=47
